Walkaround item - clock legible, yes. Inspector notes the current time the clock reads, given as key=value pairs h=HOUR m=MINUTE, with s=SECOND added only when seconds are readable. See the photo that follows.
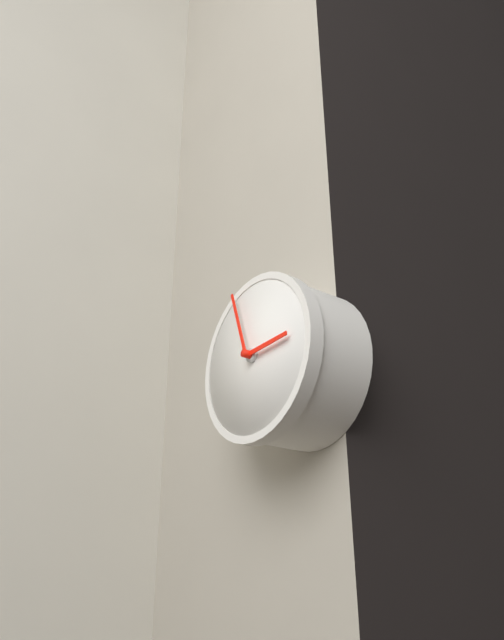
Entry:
h=2 m=57
